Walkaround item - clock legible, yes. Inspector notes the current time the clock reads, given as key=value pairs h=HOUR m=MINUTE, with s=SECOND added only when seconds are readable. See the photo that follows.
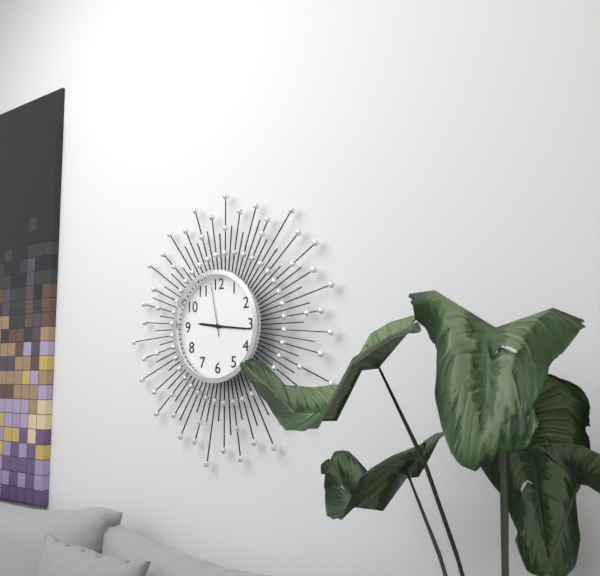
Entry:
h=9 m=16 s=58
